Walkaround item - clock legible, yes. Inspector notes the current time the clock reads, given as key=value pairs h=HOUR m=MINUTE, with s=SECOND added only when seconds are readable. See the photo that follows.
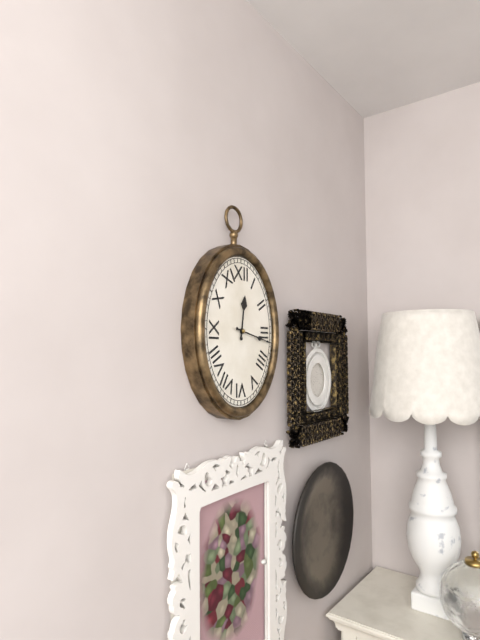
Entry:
h=12 m=17
